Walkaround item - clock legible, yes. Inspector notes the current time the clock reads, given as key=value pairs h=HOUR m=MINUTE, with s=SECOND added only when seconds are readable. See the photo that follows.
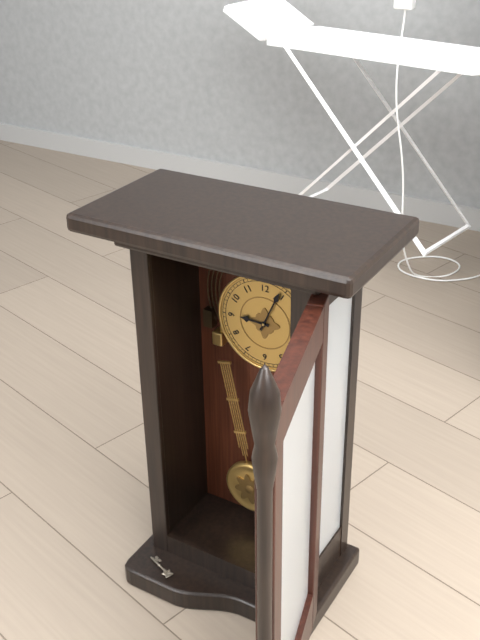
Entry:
h=9 m=4
